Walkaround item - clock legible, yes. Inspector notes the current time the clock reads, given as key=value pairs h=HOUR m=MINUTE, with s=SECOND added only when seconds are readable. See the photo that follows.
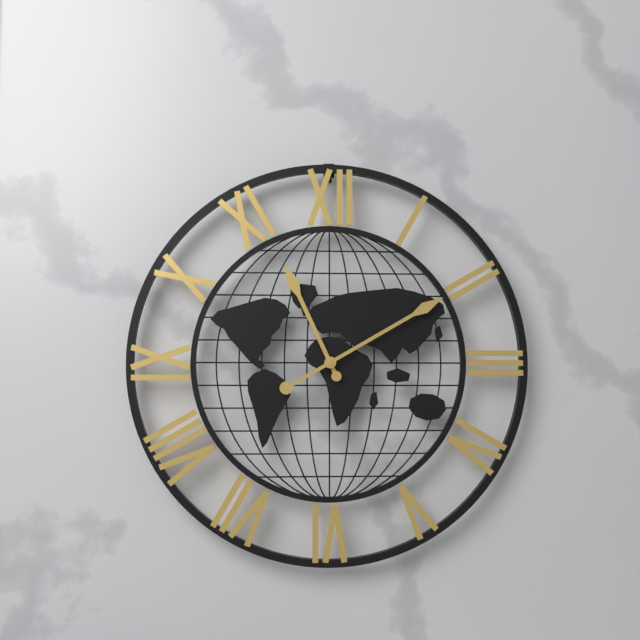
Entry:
h=11 m=10
